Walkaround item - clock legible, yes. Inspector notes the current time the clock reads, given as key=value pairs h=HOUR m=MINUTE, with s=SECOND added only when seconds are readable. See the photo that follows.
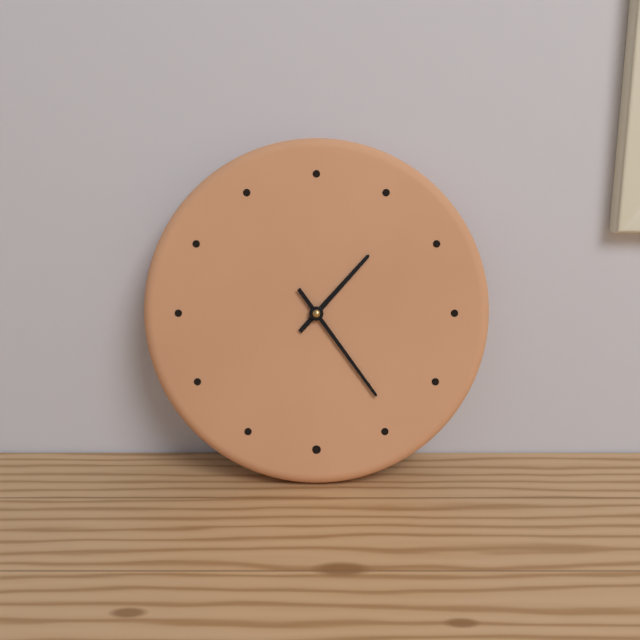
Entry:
h=1 m=24
